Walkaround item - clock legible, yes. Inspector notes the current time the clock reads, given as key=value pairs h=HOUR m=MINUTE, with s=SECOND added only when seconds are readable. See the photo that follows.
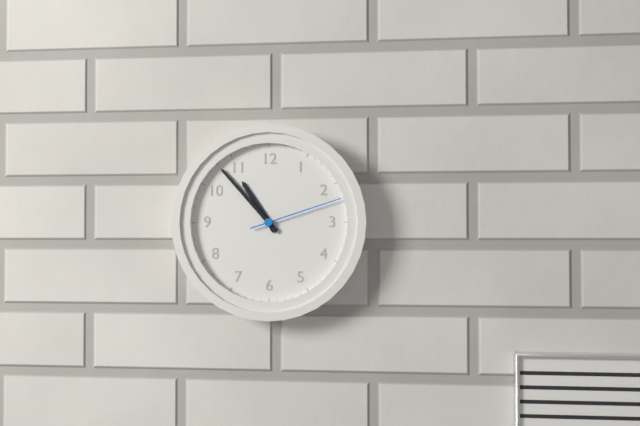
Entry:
h=10 m=53 s=12
